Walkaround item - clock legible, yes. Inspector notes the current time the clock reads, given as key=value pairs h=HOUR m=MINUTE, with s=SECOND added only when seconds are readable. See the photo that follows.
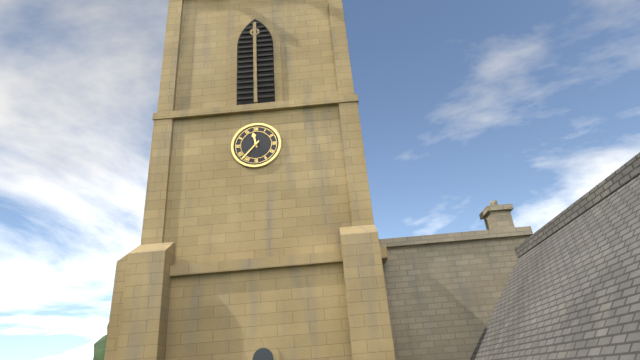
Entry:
h=11 m=37
